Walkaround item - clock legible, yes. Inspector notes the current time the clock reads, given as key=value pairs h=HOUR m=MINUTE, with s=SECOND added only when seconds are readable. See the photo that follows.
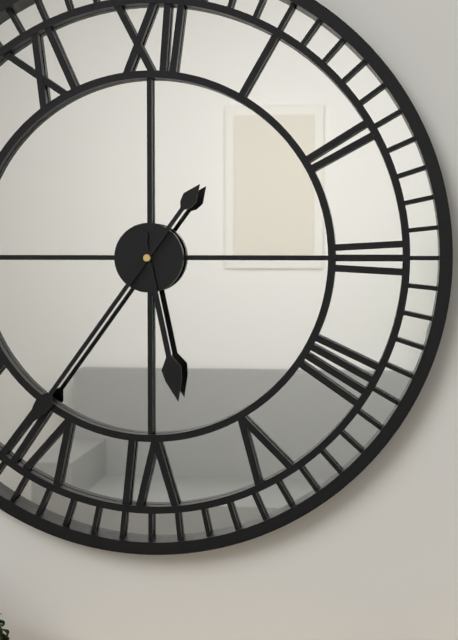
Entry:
h=5 m=36
